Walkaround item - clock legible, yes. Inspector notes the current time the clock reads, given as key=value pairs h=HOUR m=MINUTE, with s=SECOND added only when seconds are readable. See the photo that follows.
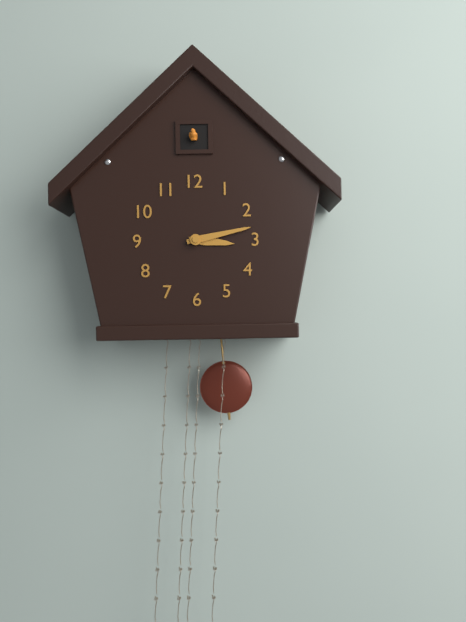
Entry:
h=3 m=13
